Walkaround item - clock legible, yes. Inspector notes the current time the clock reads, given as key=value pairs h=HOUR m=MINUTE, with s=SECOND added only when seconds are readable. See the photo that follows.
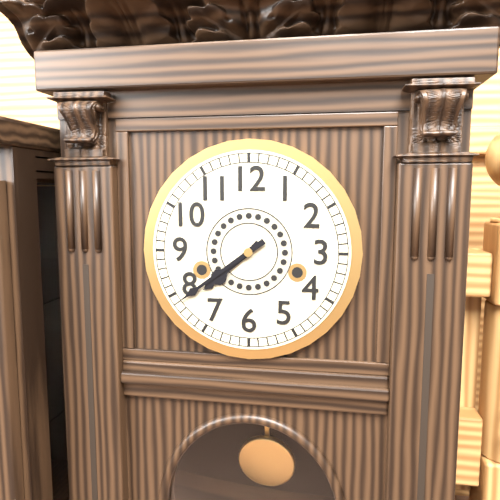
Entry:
h=7 m=39
